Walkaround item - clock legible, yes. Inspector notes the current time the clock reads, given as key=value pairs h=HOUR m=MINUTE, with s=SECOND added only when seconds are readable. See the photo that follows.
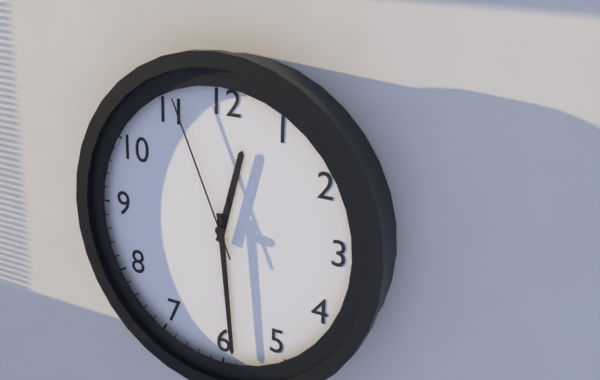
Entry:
h=12 m=29 s=56
